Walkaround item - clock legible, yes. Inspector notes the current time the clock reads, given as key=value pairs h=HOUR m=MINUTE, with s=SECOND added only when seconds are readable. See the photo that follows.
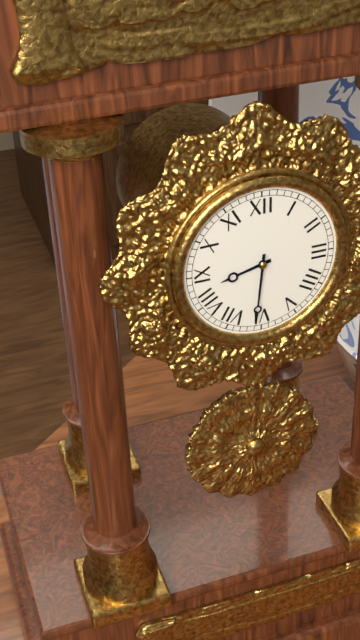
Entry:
h=8 m=31
